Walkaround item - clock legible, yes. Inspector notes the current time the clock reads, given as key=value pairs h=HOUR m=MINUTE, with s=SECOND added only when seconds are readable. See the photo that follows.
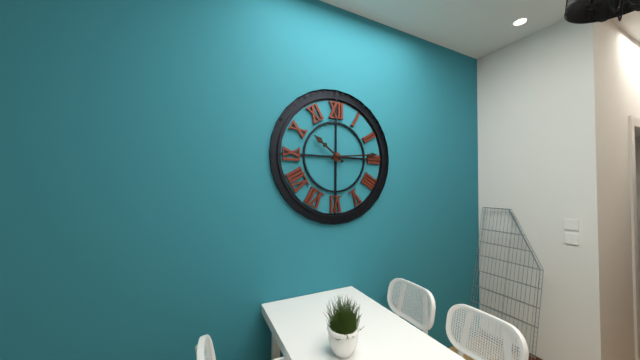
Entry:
h=10 m=14
